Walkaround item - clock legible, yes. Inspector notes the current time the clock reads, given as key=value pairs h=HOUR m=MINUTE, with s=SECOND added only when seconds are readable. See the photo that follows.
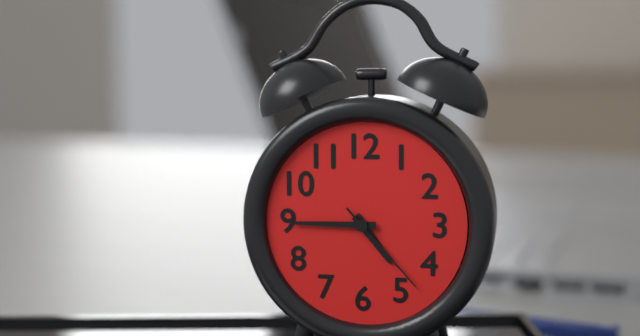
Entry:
h=4 m=45 s=23
